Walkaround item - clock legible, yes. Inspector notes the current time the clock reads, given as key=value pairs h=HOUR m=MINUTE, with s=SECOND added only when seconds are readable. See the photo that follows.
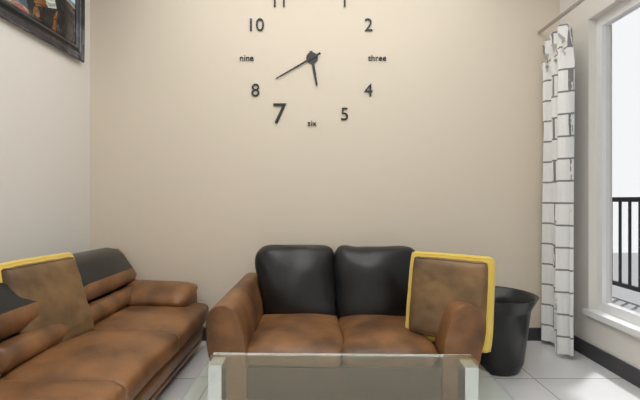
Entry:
h=5 m=40
